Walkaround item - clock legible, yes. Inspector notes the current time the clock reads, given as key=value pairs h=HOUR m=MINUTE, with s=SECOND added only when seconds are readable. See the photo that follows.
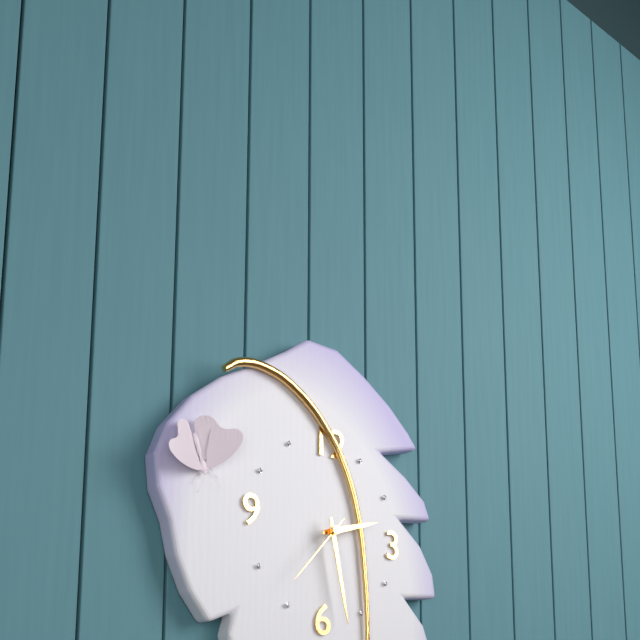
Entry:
h=2 m=28 s=37
